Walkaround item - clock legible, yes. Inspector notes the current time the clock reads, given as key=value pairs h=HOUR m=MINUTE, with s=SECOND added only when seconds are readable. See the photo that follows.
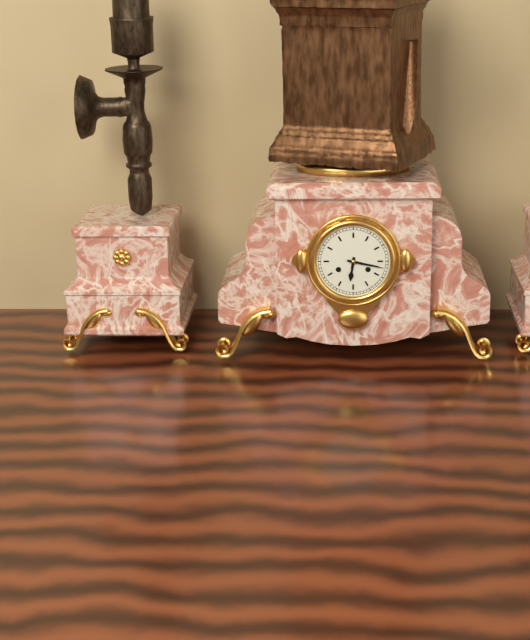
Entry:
h=6 m=17
